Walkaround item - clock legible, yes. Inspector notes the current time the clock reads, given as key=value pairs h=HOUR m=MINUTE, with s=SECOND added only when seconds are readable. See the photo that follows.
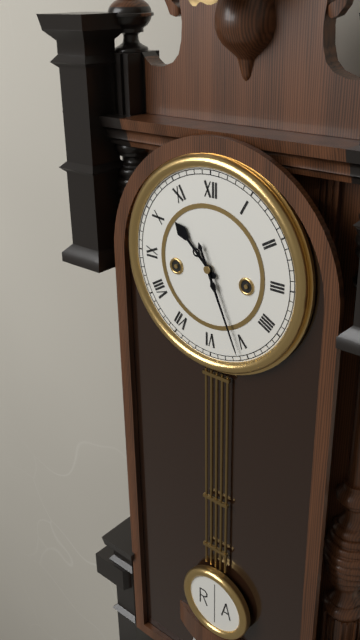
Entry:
h=10 m=26
